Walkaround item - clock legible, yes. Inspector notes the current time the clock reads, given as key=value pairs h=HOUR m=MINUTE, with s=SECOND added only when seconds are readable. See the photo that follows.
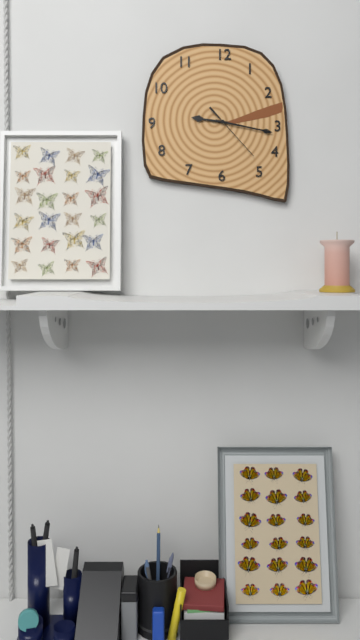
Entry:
h=9 m=17 s=23
